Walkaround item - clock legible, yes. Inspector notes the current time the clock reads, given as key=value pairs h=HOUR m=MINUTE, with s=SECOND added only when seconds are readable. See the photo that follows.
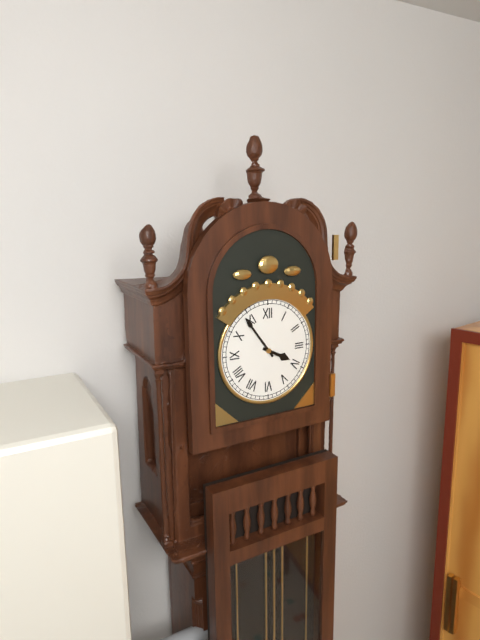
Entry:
h=3 m=54
